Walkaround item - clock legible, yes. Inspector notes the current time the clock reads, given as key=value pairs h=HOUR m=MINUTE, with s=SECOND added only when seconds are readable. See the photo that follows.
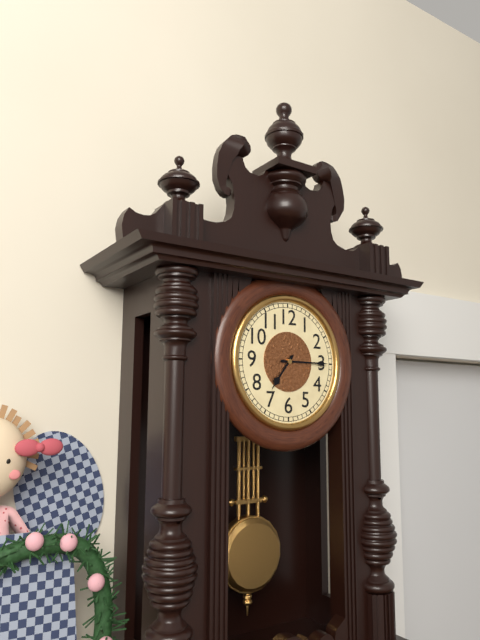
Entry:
h=7 m=15
